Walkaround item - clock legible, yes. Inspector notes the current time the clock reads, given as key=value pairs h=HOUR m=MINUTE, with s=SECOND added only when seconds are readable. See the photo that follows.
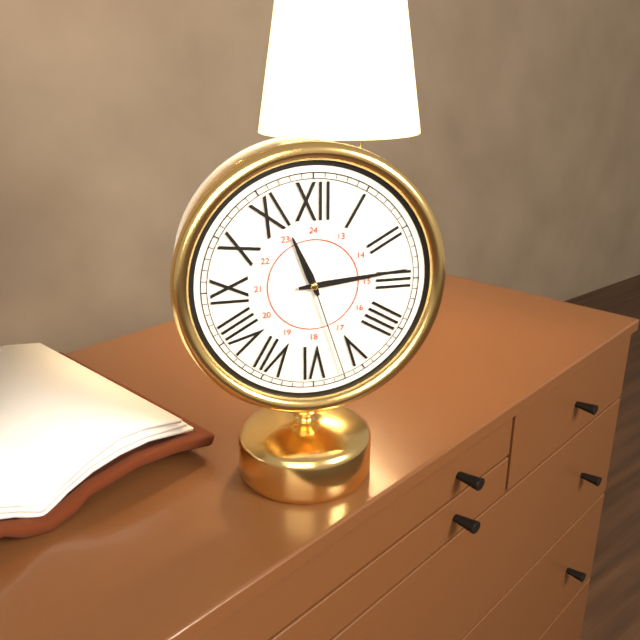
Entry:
h=11 m=14 s=27
